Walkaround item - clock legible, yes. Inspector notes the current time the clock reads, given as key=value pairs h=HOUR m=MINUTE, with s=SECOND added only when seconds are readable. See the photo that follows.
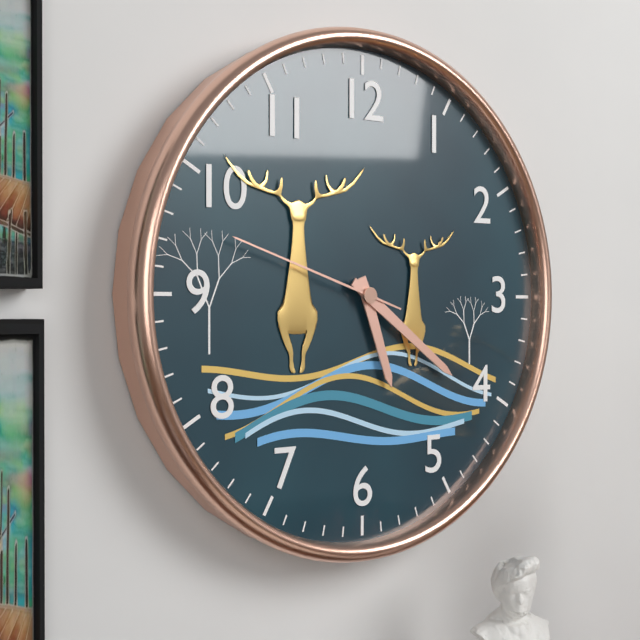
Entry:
h=5 m=21 s=48
